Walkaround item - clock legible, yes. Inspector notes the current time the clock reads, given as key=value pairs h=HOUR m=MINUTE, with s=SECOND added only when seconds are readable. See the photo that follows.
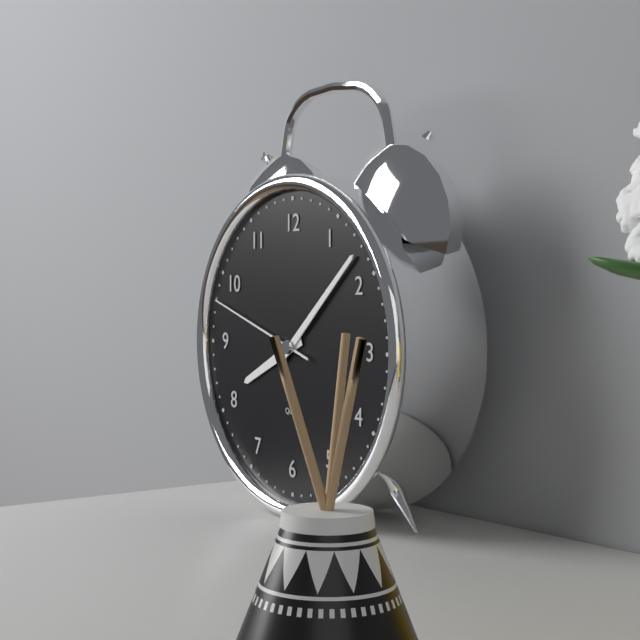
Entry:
h=8 m=8 s=48
